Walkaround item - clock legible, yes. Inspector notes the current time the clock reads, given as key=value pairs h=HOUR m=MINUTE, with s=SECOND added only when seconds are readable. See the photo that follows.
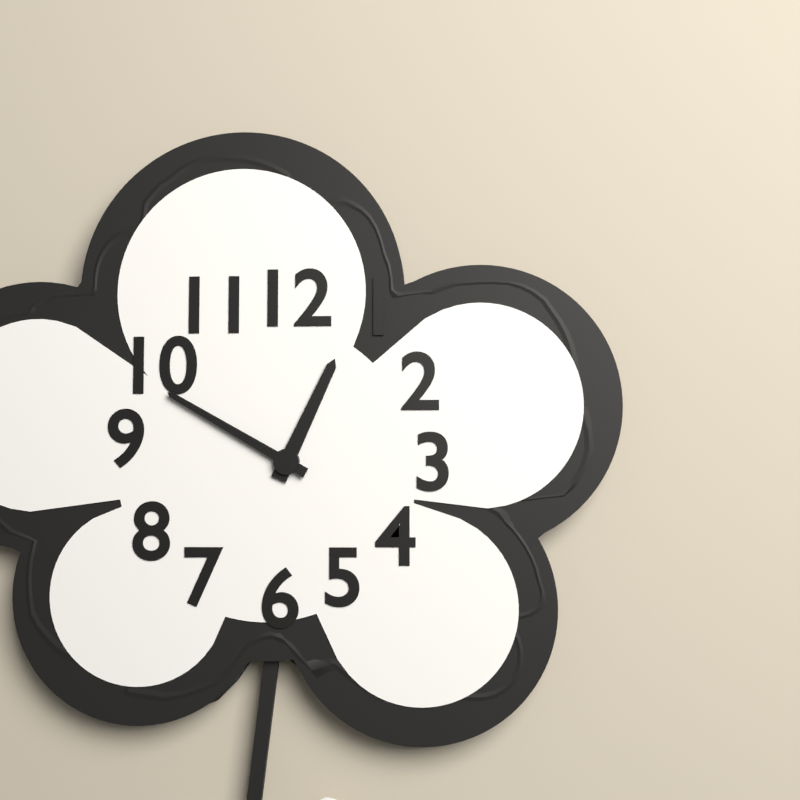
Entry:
h=12 m=50
